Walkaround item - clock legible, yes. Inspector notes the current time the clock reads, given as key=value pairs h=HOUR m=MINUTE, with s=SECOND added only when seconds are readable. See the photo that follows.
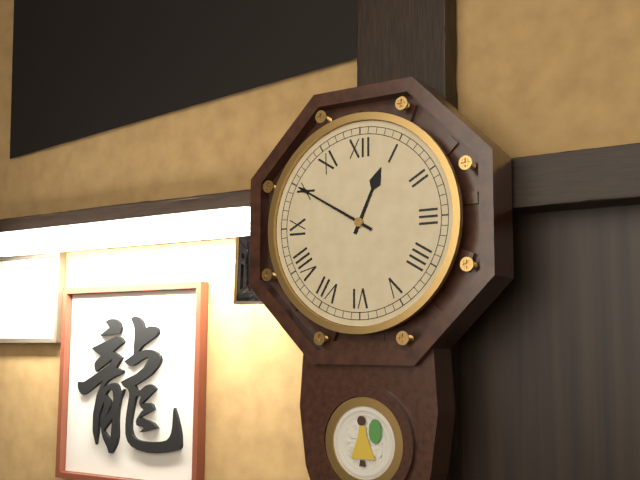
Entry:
h=12 m=50
